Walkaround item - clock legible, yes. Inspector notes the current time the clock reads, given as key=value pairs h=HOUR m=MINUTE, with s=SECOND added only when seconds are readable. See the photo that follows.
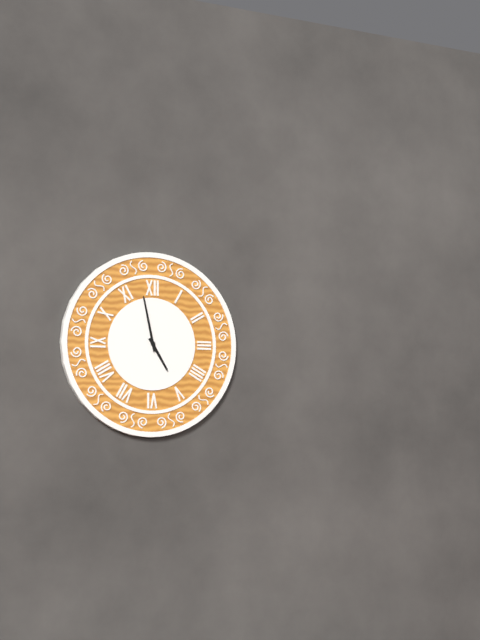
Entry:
h=4 m=58
